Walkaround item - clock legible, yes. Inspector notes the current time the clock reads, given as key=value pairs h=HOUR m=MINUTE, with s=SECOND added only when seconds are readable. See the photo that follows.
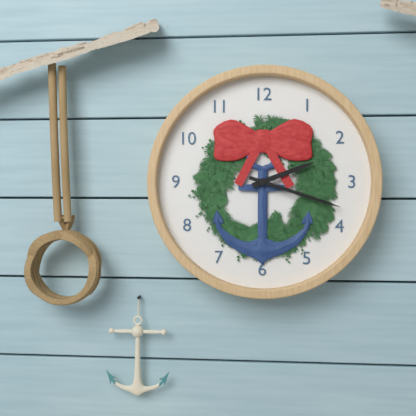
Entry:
h=2 m=18
